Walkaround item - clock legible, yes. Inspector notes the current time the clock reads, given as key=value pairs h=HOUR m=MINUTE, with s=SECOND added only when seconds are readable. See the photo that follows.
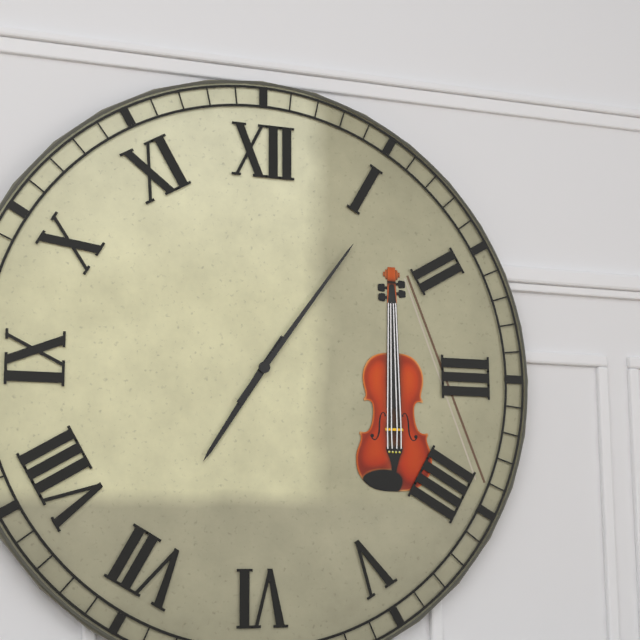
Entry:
h=7 m=6
